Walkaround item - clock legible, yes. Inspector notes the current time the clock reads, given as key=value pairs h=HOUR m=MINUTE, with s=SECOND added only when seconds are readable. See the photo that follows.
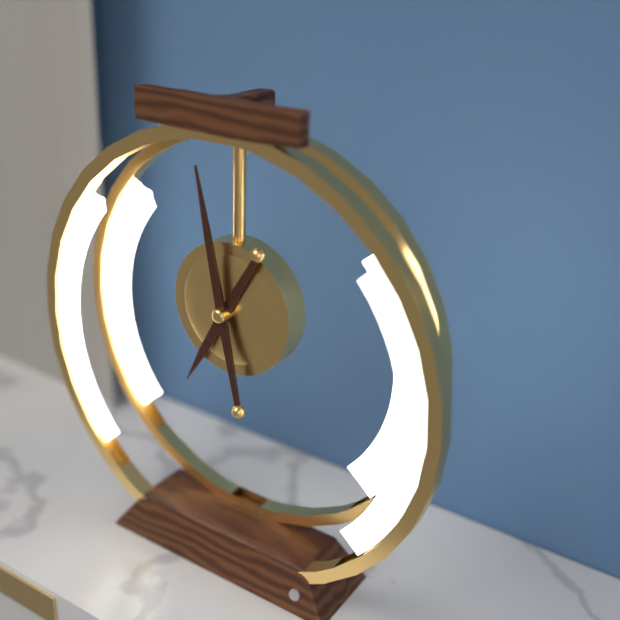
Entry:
h=6 m=58
